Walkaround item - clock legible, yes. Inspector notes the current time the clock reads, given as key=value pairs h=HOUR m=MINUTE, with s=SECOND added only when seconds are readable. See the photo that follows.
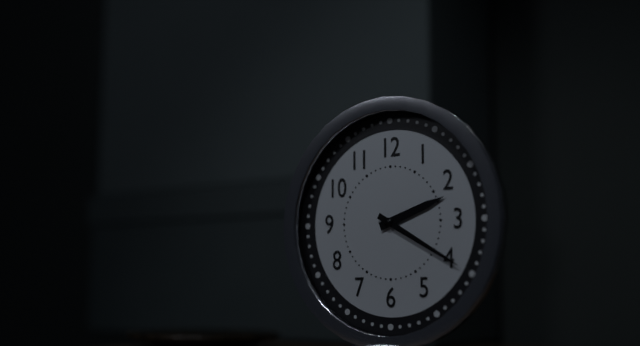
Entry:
h=2 m=20
